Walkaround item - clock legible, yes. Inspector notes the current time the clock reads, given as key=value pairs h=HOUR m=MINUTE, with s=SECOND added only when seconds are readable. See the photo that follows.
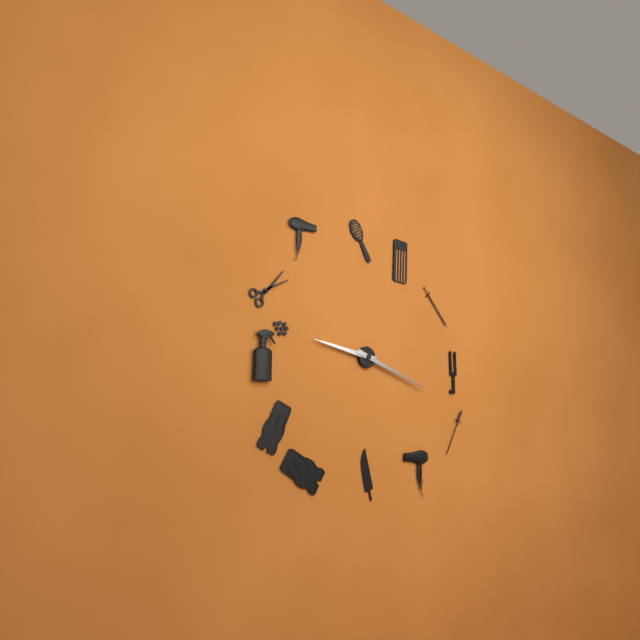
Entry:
h=9 m=18
